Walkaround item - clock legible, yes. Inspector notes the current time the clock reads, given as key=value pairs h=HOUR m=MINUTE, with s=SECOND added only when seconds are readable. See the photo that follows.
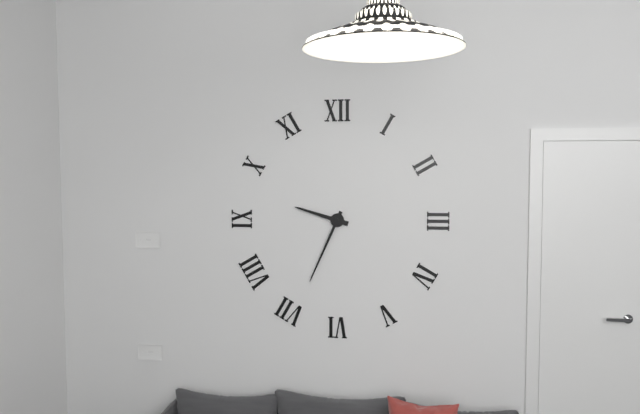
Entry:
h=9 m=34
